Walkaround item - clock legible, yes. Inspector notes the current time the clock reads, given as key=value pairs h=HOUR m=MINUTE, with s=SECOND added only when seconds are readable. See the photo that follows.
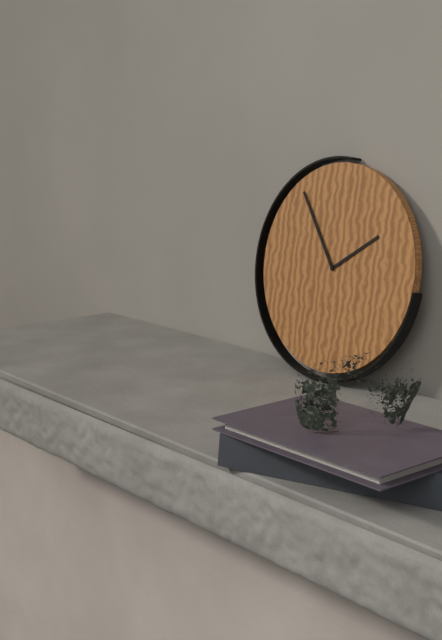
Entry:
h=1 m=54
